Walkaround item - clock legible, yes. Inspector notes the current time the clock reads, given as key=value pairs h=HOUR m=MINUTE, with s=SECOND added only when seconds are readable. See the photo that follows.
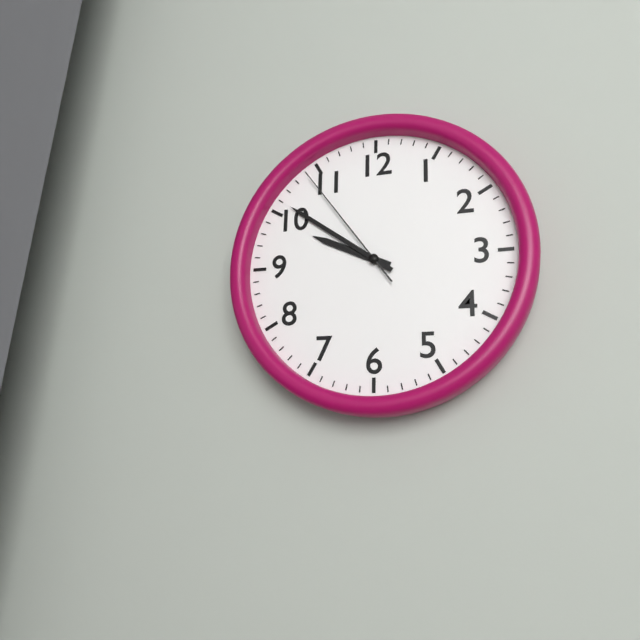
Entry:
h=9 m=51 s=54
